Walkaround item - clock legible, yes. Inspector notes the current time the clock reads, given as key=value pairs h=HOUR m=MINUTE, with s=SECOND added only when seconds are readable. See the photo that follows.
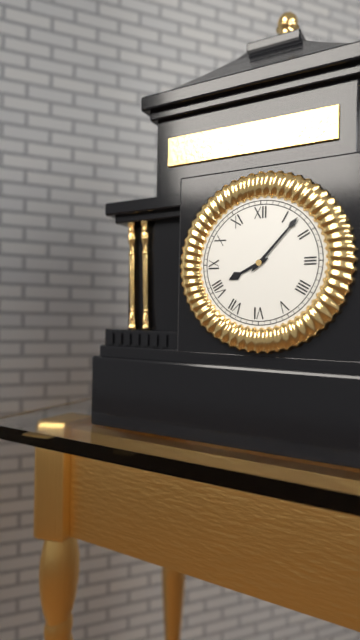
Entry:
h=8 m=7
